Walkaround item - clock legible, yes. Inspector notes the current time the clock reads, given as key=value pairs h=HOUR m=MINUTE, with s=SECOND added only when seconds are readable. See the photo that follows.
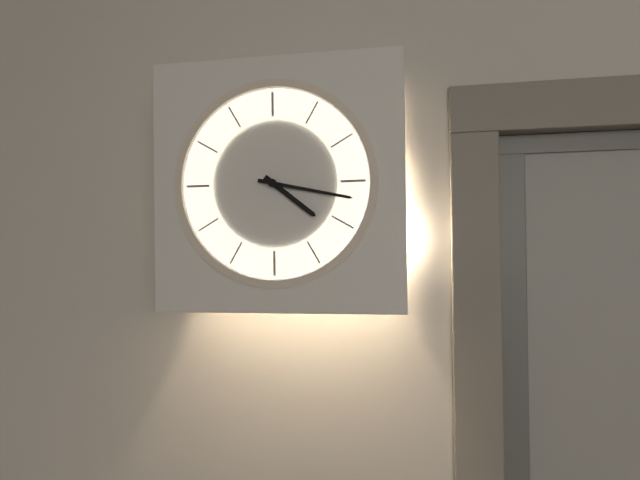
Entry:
h=4 m=17
